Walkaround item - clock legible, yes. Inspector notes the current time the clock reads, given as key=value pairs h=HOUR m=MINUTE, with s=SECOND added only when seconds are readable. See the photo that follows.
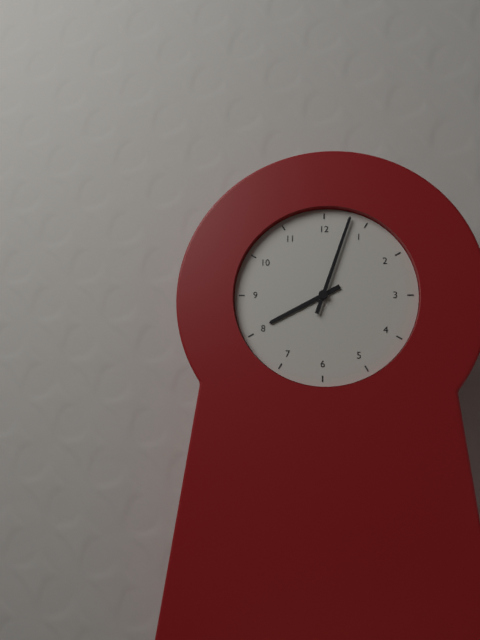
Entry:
h=8 m=3
